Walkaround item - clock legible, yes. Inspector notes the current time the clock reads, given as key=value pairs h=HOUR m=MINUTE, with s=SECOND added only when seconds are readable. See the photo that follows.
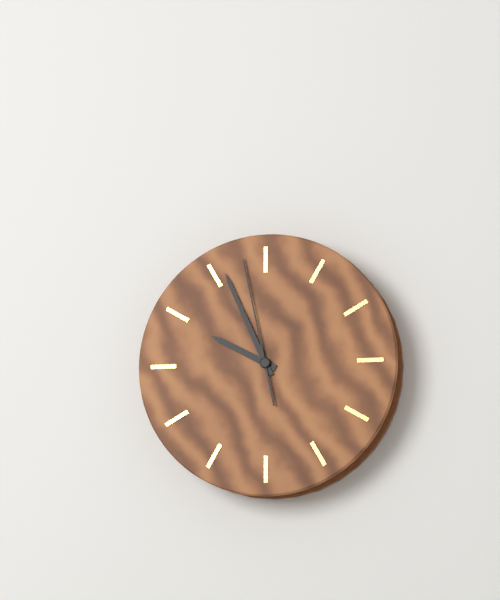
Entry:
h=9 m=56 s=58
